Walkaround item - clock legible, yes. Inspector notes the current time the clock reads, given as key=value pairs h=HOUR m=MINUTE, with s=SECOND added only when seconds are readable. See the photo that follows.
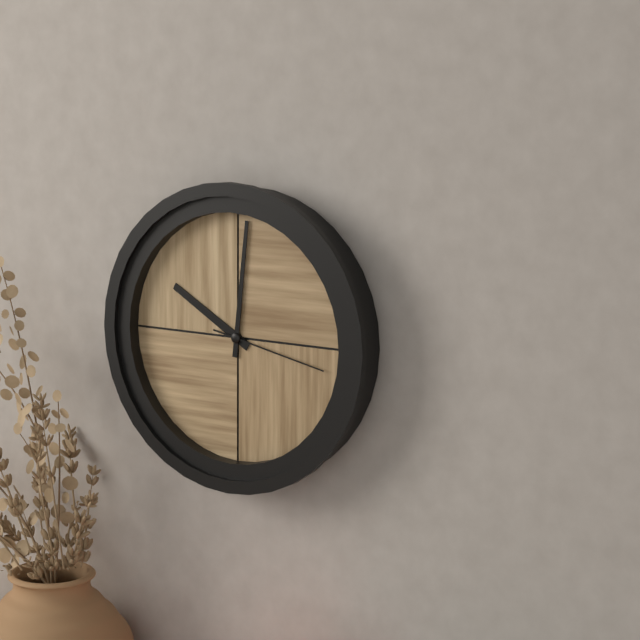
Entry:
h=10 m=1 s=17
